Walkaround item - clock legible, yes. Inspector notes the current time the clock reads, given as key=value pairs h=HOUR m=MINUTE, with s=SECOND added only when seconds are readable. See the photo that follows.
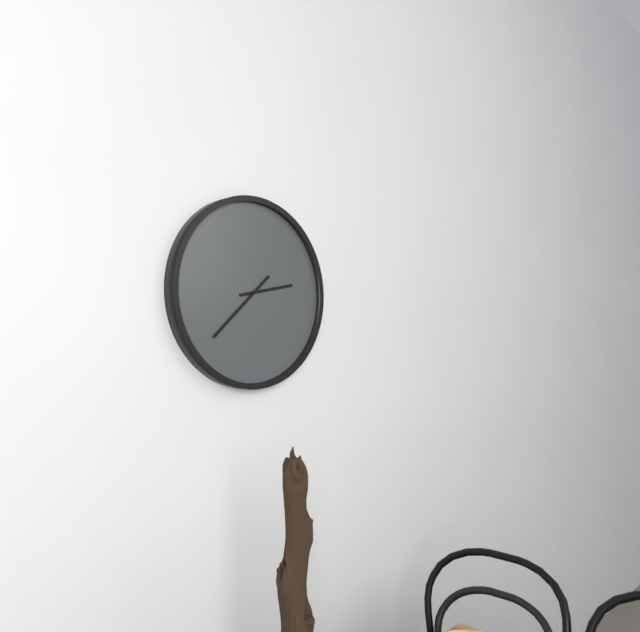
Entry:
h=2 m=38
